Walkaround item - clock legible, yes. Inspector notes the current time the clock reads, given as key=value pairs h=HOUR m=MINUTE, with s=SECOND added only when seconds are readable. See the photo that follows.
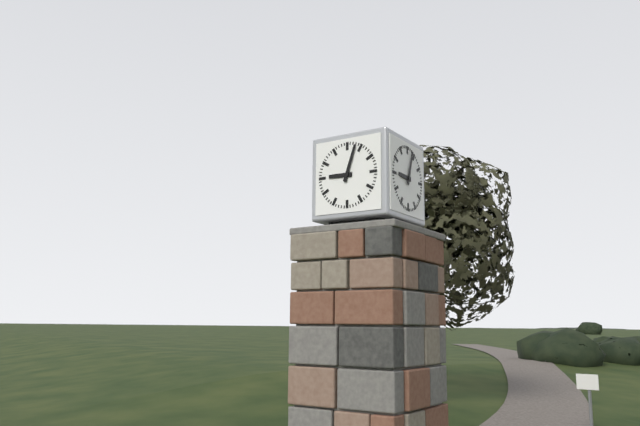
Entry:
h=9 m=3
